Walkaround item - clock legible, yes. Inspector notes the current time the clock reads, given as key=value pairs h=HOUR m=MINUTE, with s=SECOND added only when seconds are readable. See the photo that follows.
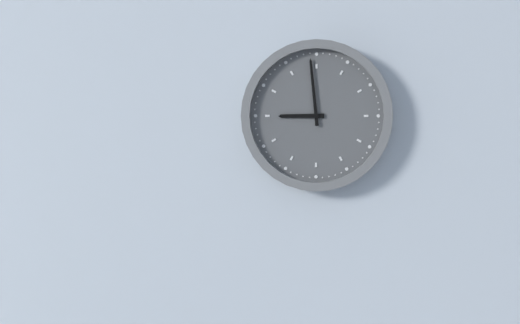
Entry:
h=8 m=59
